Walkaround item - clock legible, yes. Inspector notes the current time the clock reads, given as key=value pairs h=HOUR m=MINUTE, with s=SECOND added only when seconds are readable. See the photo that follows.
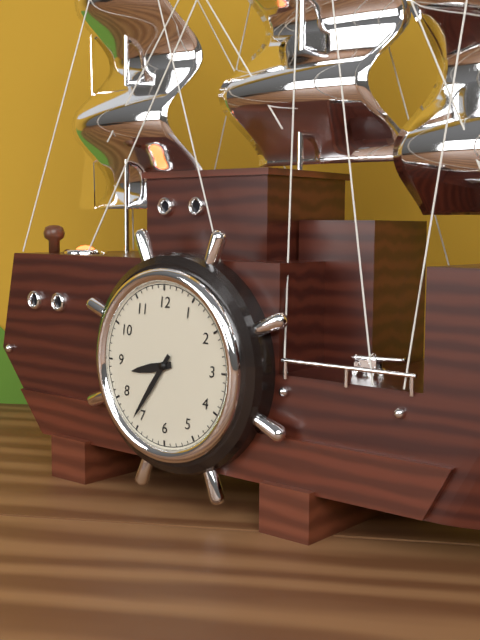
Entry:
h=8 m=36
